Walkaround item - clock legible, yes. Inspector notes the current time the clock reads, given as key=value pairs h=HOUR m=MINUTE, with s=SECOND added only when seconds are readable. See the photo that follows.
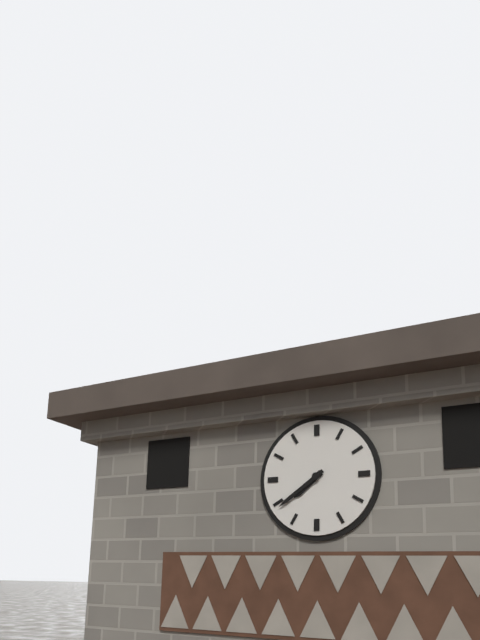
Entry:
h=7 m=39
